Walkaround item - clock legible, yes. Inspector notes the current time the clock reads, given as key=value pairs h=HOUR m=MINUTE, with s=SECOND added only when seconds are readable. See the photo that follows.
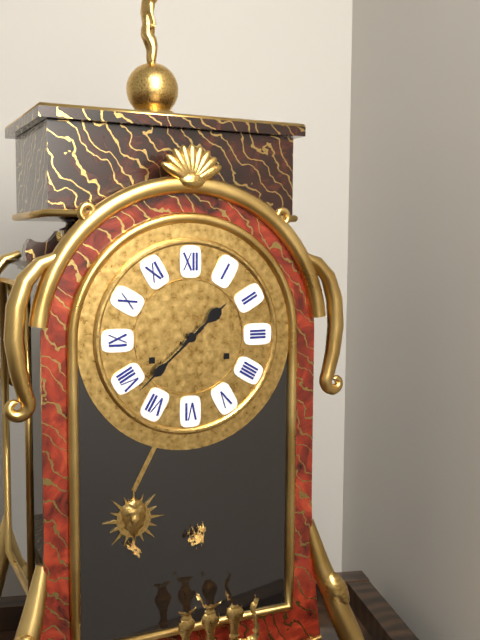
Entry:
h=1 m=38
